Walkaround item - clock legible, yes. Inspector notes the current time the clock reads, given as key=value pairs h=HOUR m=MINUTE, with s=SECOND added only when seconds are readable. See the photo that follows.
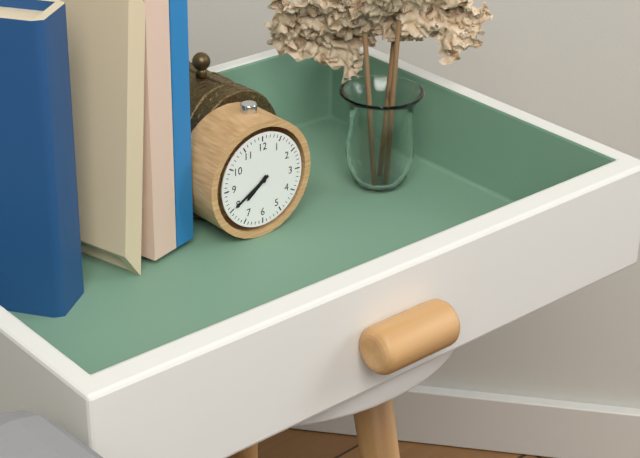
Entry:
h=7 m=40
